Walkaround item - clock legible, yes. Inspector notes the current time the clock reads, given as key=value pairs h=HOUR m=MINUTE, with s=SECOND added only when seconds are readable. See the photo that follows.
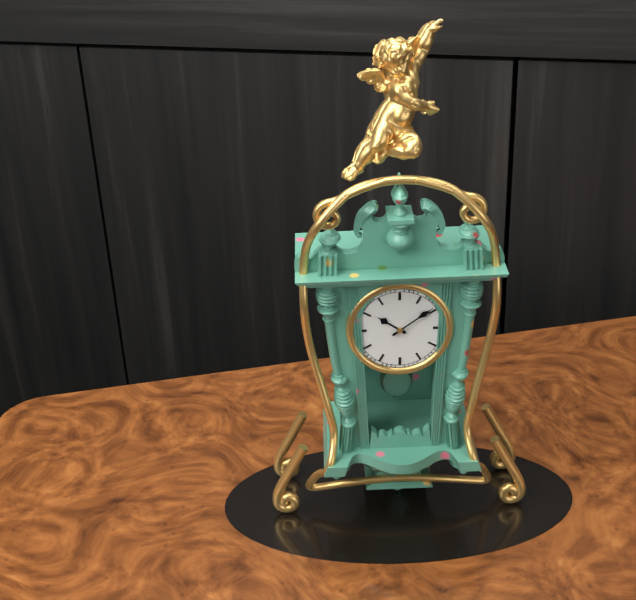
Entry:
h=10 m=9
